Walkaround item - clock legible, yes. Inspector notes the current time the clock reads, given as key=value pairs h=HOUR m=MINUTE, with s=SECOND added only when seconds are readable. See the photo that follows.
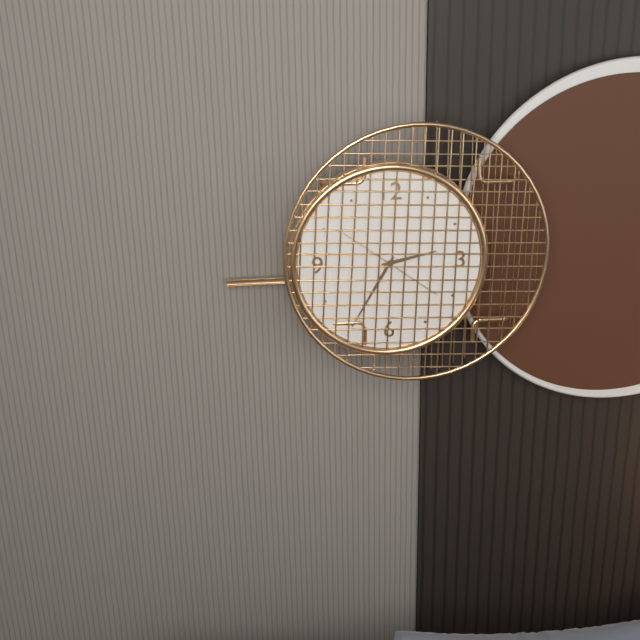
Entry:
h=2 m=35 s=21
